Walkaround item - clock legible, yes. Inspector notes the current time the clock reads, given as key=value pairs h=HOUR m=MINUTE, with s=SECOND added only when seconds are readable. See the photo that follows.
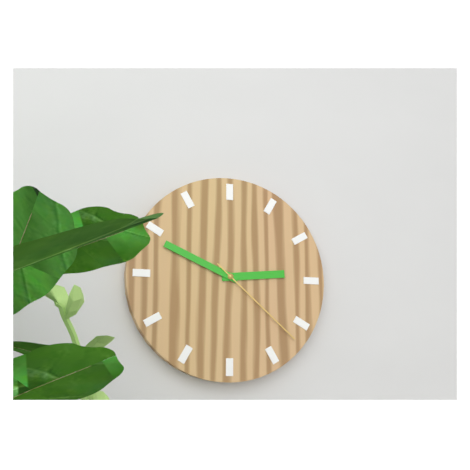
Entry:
h=2 m=49 s=22
